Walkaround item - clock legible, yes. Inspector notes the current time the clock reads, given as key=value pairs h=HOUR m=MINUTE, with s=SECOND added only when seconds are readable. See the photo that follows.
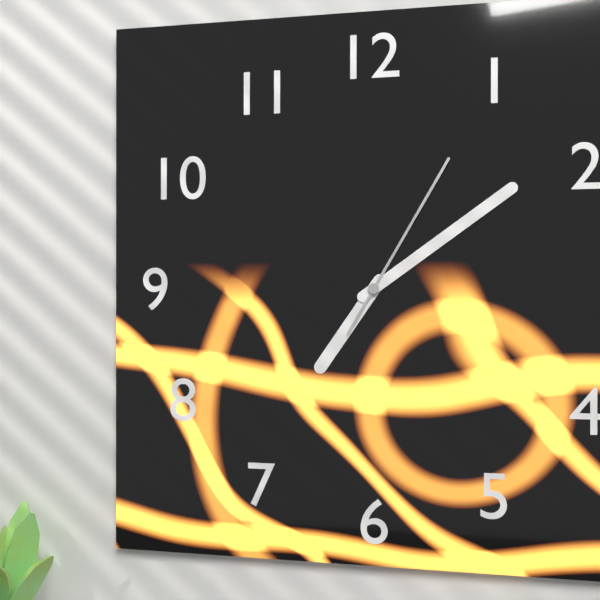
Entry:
h=7 m=9 s=5
